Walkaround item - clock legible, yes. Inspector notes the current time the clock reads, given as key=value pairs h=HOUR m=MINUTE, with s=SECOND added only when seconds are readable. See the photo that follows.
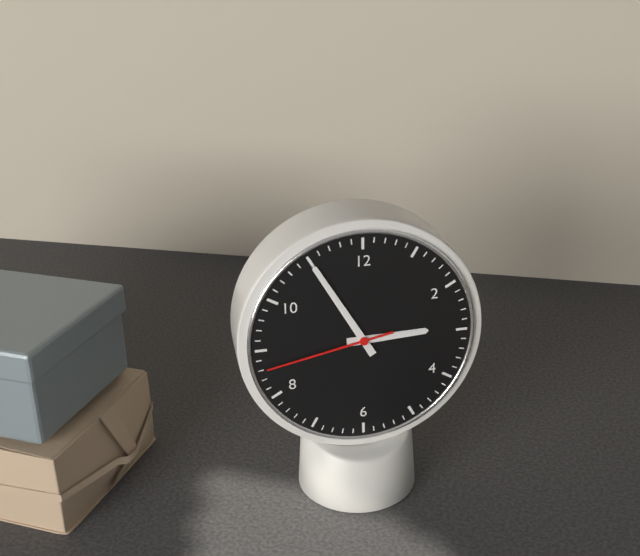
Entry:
h=2 m=55 s=43
